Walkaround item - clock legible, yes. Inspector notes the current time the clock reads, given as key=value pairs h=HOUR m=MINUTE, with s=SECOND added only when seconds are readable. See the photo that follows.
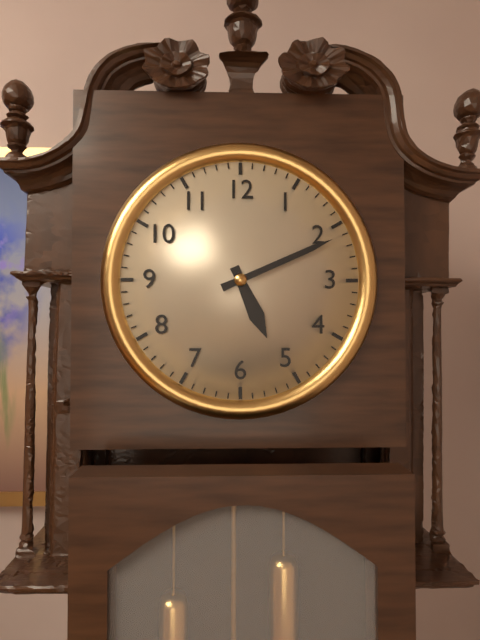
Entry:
h=5 m=11
